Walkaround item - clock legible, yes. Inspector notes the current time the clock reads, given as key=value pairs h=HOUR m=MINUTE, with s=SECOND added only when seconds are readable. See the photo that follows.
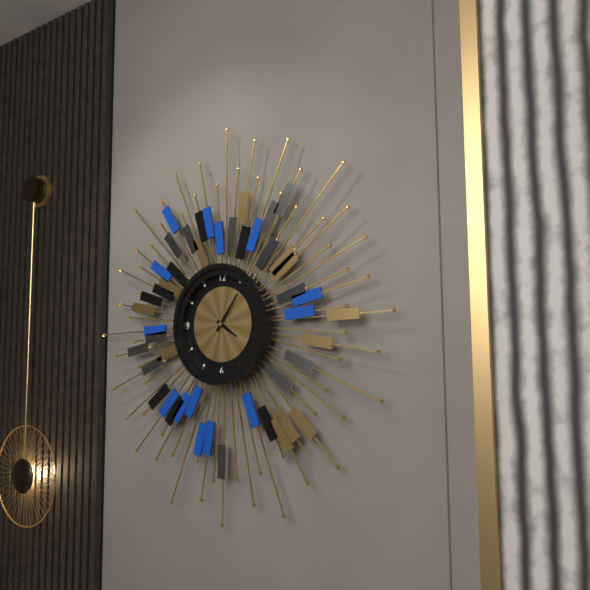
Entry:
h=4 m=6
